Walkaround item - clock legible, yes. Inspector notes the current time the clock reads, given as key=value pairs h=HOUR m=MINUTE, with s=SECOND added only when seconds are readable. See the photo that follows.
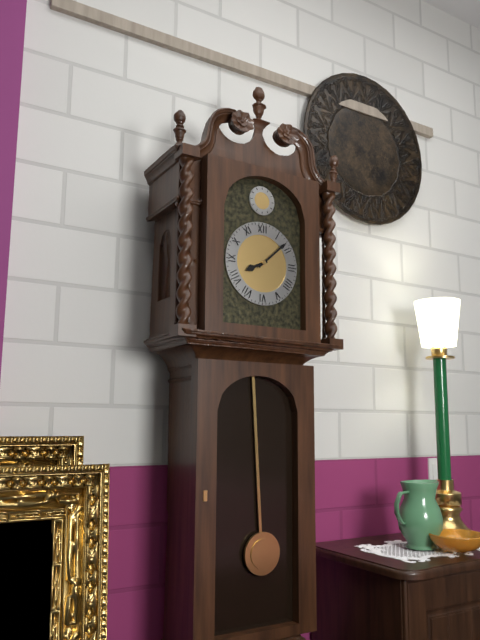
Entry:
h=8 m=8
